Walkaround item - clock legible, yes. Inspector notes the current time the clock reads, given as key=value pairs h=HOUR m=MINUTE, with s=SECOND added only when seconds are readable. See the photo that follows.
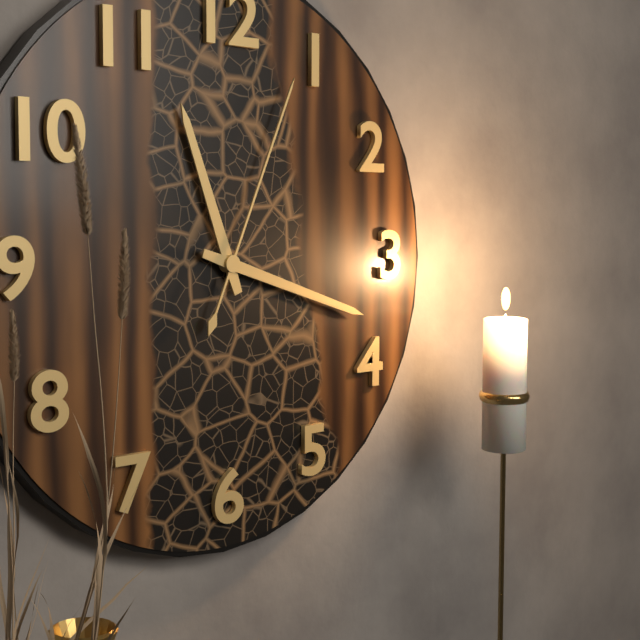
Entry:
h=11 m=18 s=4
